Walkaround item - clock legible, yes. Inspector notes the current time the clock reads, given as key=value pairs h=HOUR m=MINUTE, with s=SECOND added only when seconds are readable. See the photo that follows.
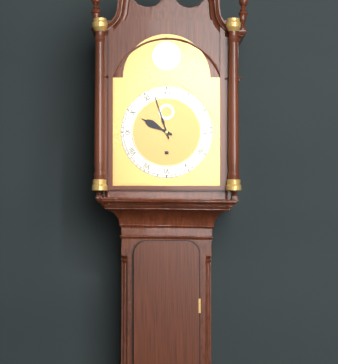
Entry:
h=9 m=57
